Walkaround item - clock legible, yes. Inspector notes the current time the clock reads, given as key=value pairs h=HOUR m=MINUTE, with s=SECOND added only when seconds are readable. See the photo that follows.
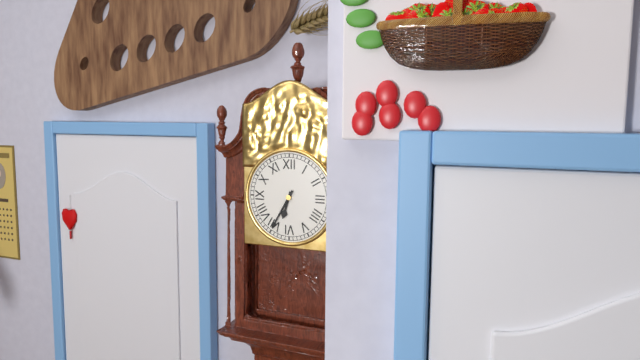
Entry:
h=6 m=35
